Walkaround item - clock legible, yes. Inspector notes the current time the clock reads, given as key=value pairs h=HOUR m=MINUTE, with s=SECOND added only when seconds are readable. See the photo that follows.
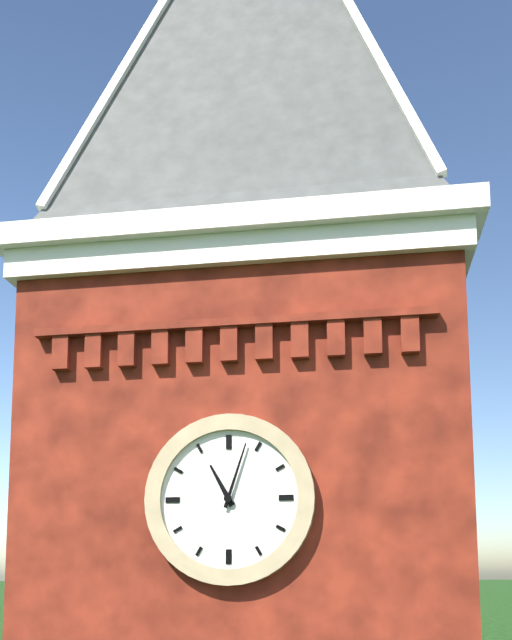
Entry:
h=11 m=3
